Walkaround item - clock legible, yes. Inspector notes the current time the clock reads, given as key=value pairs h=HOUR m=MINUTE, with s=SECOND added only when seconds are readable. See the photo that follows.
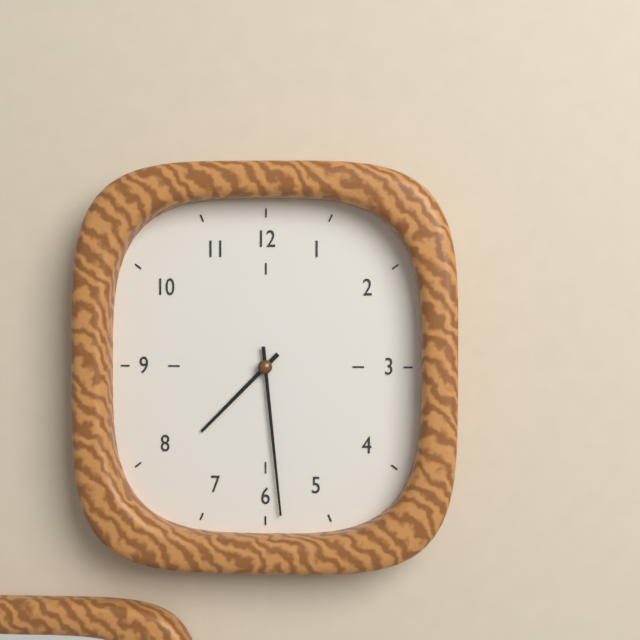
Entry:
h=7 m=29
